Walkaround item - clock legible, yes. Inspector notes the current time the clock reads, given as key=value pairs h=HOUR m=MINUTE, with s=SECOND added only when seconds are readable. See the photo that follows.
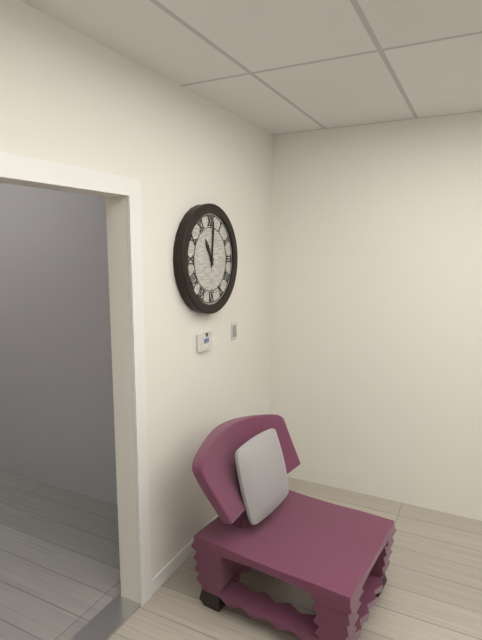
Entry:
h=11 m=1
